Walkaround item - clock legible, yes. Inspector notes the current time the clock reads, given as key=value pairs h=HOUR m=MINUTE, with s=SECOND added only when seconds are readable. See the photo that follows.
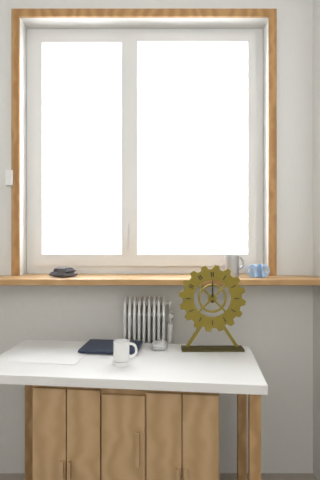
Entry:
h=12 m=0
